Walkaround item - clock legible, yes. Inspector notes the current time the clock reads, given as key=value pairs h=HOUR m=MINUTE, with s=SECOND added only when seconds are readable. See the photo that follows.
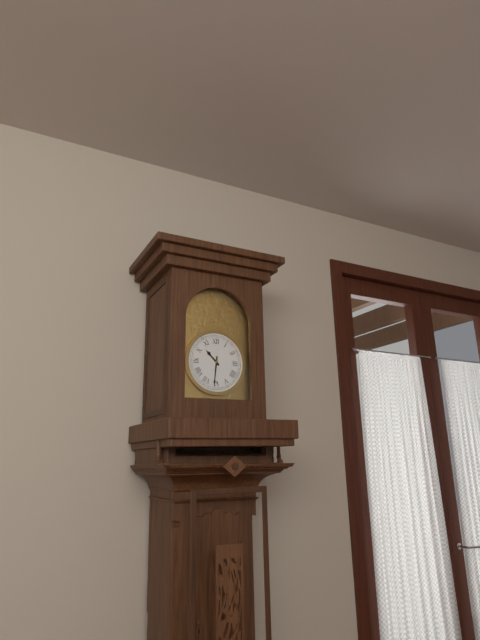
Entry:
h=10 m=31
